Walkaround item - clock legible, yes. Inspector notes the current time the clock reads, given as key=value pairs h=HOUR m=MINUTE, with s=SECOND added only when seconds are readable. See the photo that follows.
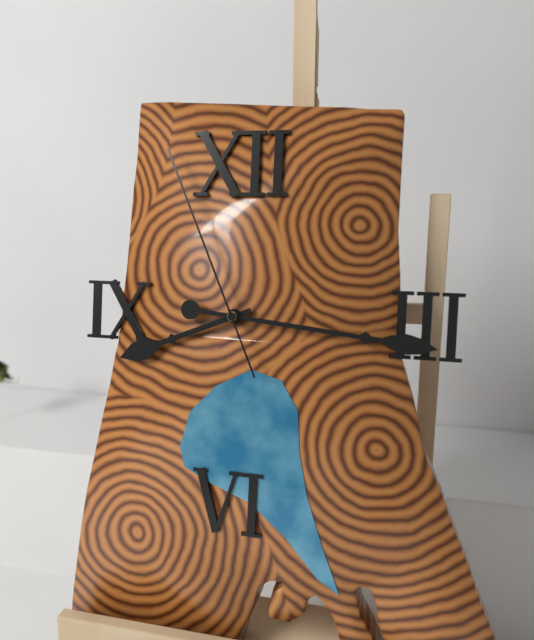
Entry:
h=8 m=16 s=56
